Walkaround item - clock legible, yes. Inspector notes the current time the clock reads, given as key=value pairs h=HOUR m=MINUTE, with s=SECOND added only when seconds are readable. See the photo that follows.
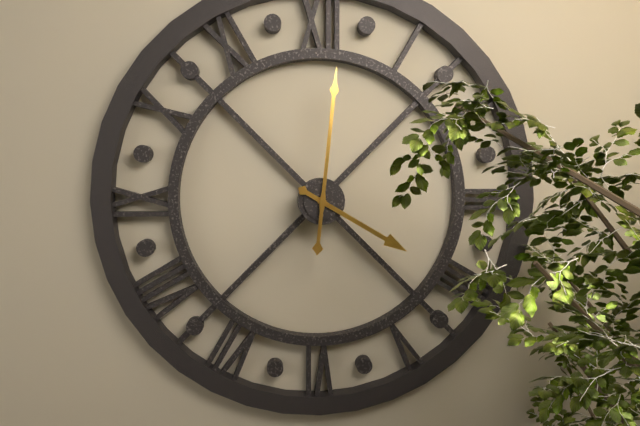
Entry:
h=4 m=1
